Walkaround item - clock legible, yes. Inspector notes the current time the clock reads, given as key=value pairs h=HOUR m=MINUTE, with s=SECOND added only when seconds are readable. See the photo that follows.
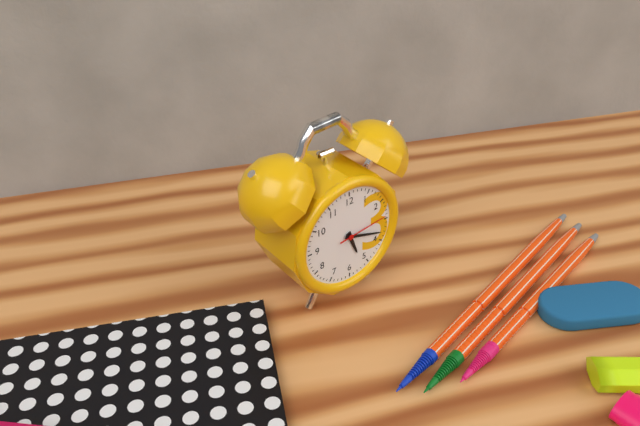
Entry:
h=5 m=18 s=14
